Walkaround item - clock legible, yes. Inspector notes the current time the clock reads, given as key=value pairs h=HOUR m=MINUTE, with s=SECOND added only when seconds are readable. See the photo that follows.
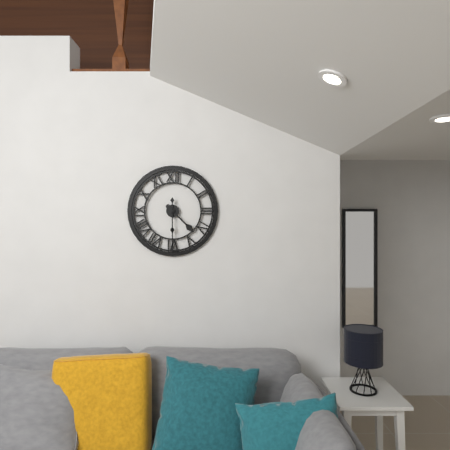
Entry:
h=4 m=30
